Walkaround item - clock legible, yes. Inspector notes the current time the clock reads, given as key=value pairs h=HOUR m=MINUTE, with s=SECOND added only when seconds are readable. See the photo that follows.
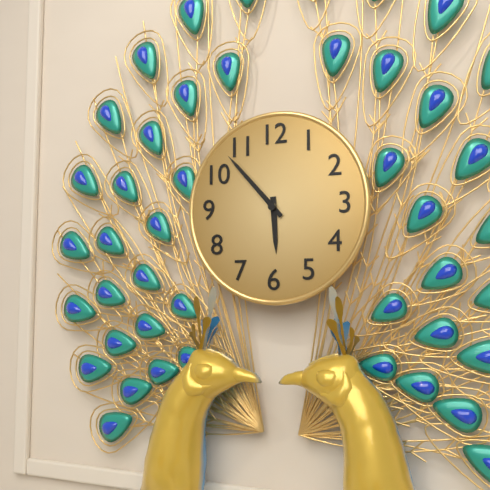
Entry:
h=5 m=53
